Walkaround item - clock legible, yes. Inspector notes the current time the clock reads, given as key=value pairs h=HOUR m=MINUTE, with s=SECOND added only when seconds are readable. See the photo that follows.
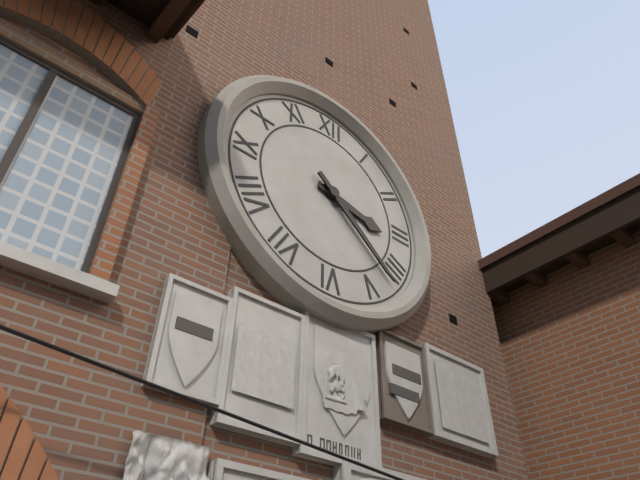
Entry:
h=3 m=22
